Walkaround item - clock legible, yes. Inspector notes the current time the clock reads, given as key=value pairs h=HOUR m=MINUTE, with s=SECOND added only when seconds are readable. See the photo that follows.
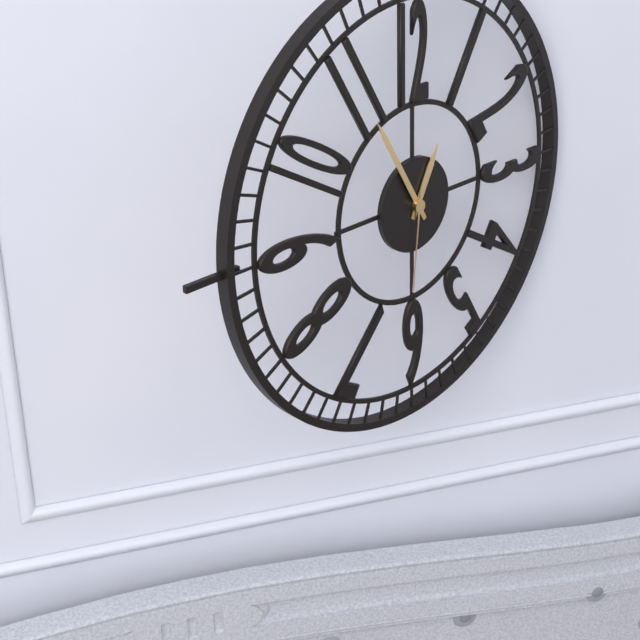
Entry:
h=12 m=55 s=31
